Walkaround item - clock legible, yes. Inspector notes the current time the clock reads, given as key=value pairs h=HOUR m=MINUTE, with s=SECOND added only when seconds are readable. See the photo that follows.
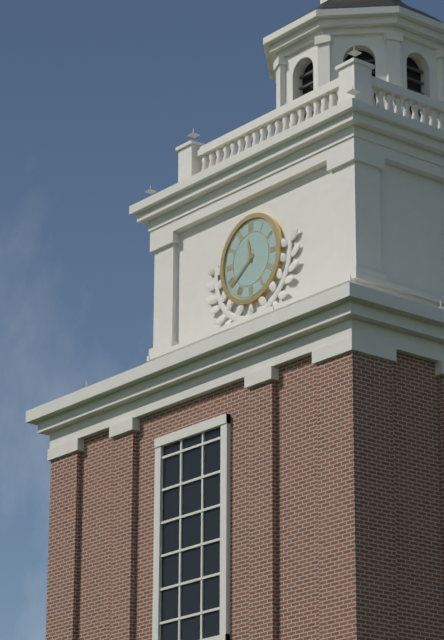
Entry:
h=11 m=39
